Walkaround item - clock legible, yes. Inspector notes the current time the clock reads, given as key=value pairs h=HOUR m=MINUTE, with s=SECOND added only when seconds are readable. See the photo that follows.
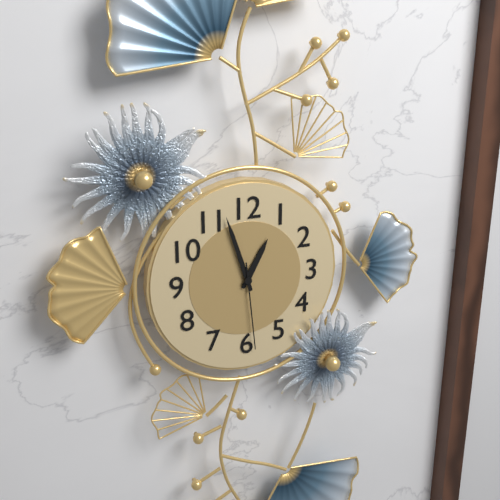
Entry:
h=12 m=57 s=29
